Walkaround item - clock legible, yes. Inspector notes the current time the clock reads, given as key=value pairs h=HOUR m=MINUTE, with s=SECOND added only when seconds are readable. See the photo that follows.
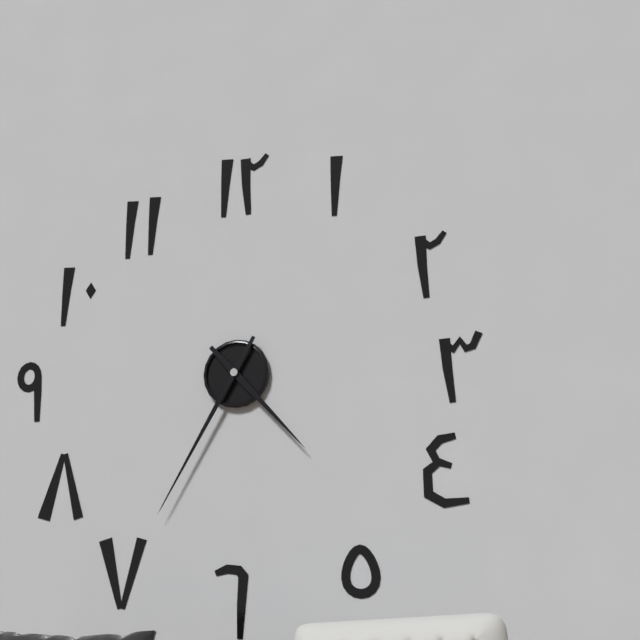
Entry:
h=4 m=35
